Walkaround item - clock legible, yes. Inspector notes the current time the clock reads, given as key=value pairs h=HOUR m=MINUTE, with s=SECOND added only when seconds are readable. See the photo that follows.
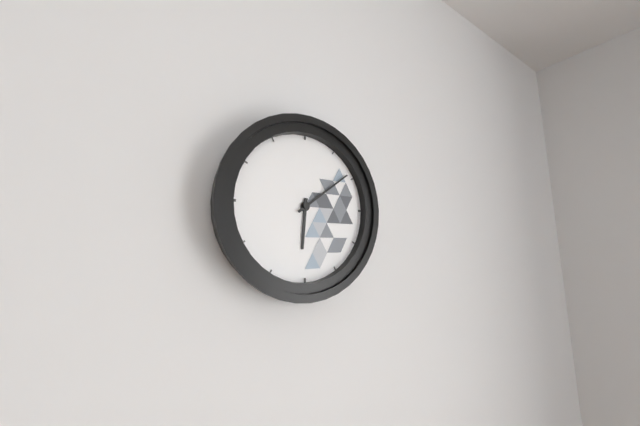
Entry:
h=6 m=9
